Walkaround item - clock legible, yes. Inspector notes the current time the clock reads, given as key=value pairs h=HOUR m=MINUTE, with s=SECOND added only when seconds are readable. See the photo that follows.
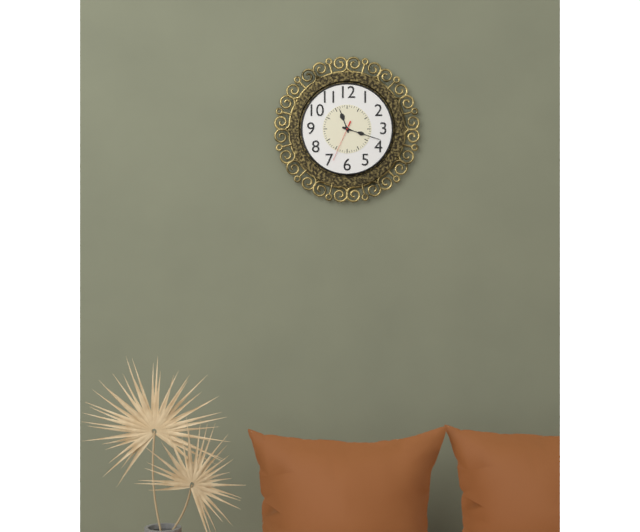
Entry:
h=11 m=18
